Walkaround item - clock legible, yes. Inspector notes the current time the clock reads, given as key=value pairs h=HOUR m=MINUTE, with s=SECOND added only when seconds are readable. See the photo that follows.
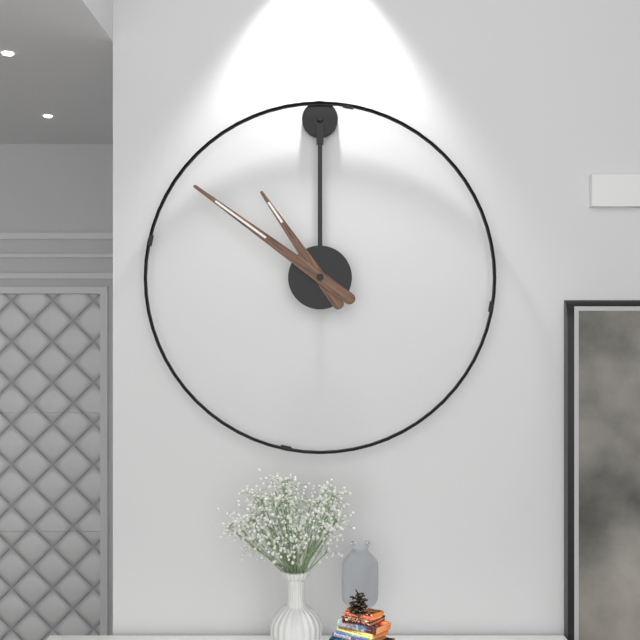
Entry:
h=10 m=51
